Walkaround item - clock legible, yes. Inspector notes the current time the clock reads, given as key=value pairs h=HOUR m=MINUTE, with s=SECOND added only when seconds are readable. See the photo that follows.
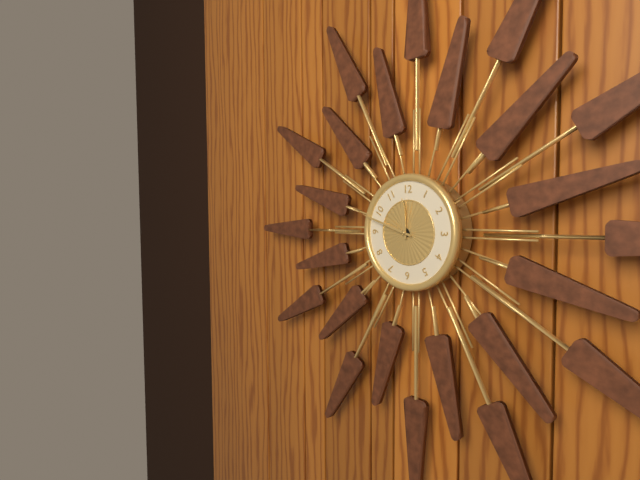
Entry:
h=11 m=48
